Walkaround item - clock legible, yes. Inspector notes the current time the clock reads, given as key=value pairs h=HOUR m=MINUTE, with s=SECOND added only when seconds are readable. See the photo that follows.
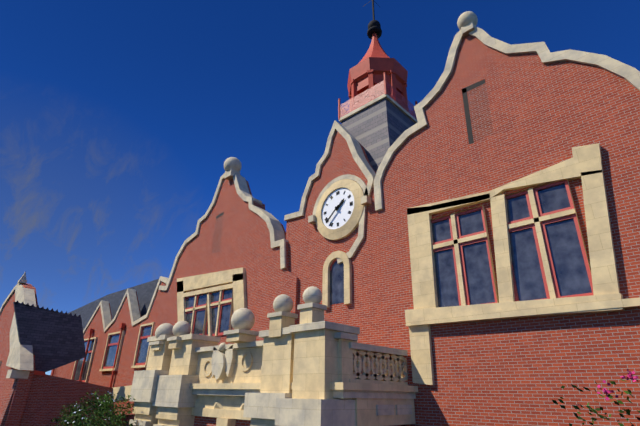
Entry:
h=1 m=38
